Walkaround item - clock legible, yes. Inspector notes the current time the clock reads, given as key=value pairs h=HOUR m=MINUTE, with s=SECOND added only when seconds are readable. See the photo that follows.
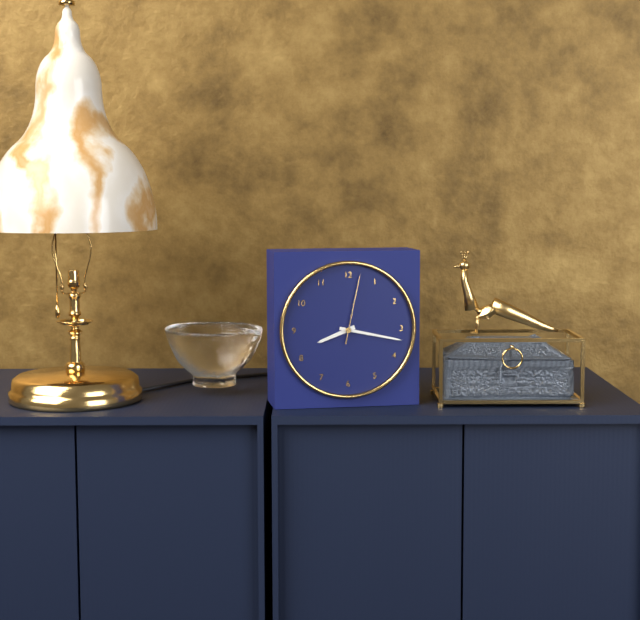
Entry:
h=8 m=17 s=2
